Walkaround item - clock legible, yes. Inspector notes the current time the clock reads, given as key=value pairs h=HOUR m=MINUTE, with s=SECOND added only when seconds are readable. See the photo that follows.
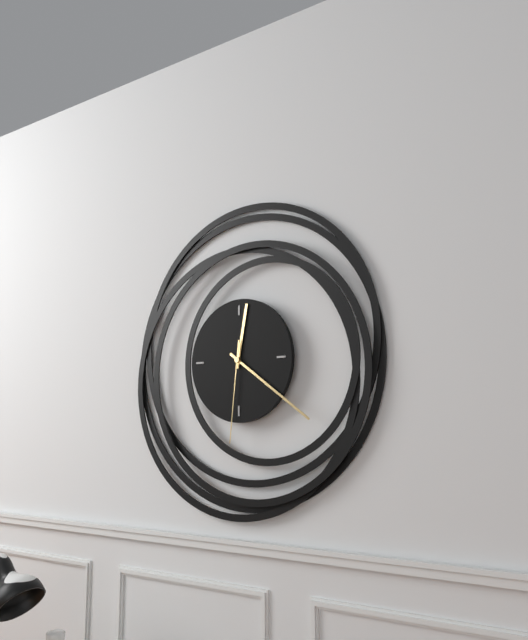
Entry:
h=12 m=21 s=31
